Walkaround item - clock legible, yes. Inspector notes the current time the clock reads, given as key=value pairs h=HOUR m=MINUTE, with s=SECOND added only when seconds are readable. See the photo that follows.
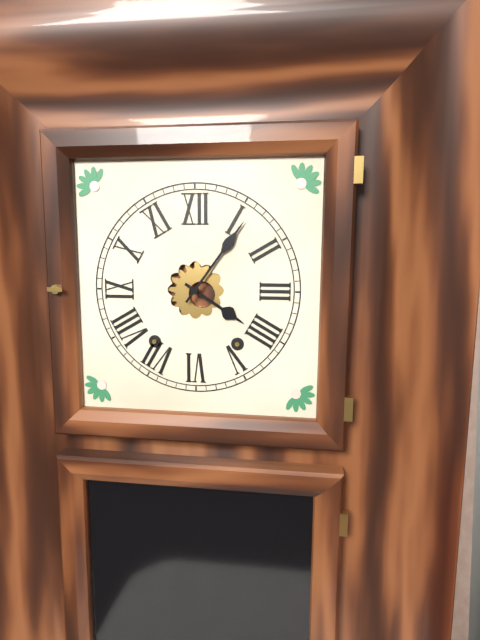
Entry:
h=4 m=6
